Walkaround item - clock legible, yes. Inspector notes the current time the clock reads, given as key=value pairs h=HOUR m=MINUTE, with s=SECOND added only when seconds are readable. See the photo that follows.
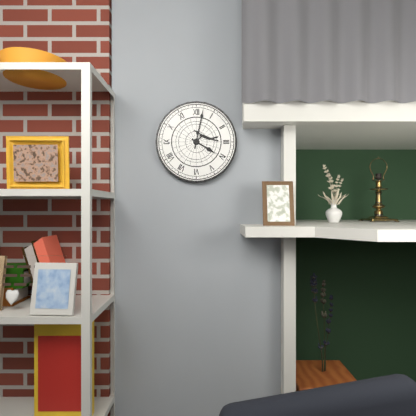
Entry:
h=4 m=2
